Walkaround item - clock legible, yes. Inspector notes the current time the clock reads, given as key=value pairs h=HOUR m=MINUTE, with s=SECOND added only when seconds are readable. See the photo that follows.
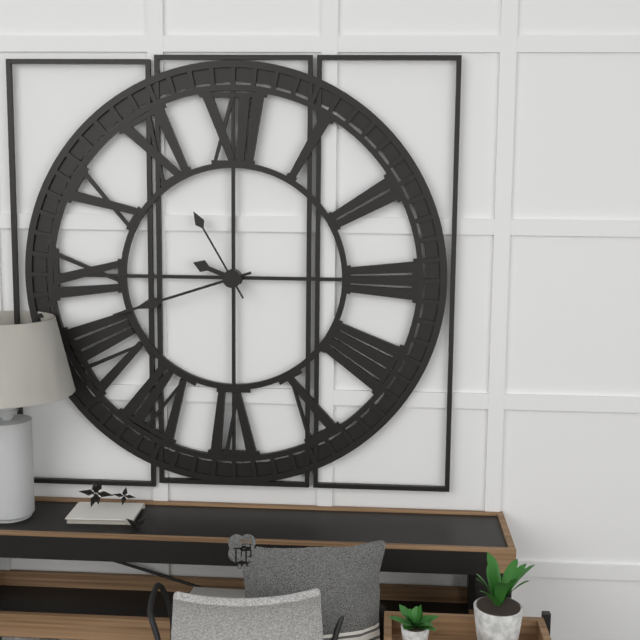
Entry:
h=9 m=42 s=55
